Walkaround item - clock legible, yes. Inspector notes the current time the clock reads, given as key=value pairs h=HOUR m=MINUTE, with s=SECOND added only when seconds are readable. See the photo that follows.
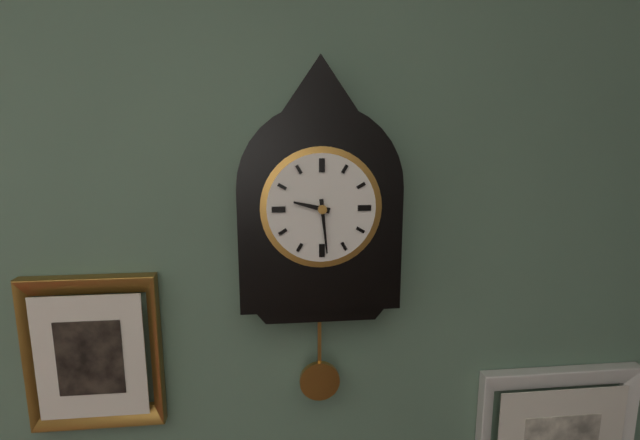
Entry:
h=9 m=29
